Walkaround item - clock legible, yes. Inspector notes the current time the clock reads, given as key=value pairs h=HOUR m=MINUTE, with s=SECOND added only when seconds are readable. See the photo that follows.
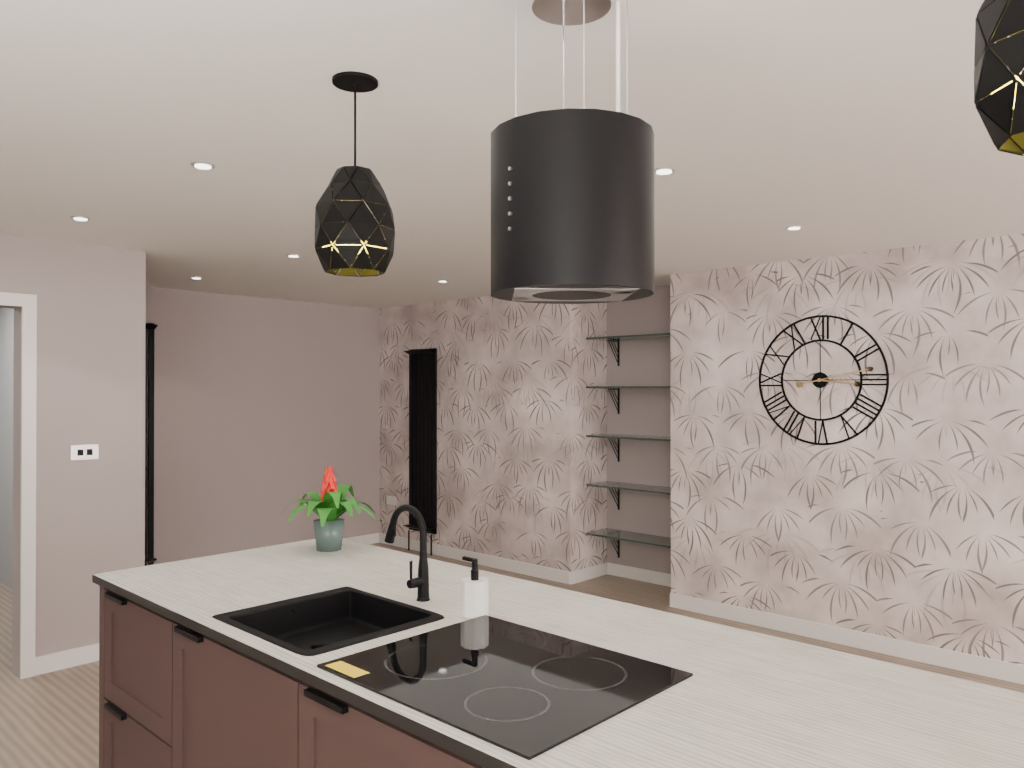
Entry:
h=3 m=13
